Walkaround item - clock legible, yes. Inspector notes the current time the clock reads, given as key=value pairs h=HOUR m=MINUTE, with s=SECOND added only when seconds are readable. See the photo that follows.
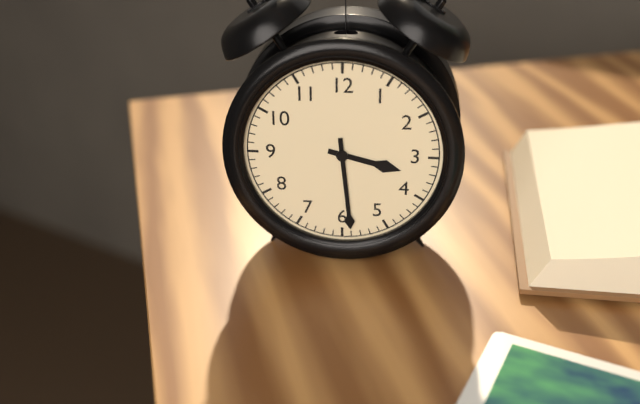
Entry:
h=3 m=29
